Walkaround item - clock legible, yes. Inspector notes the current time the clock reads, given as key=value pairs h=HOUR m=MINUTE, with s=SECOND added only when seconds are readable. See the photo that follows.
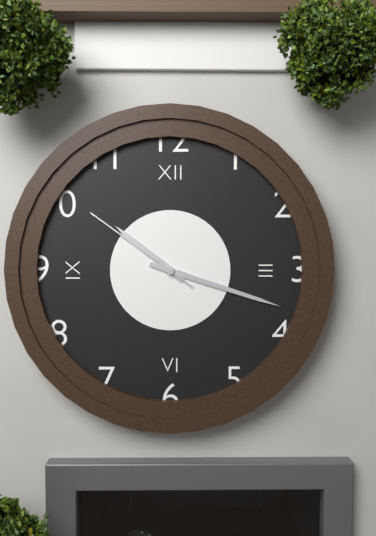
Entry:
h=10 m=18 s=51
